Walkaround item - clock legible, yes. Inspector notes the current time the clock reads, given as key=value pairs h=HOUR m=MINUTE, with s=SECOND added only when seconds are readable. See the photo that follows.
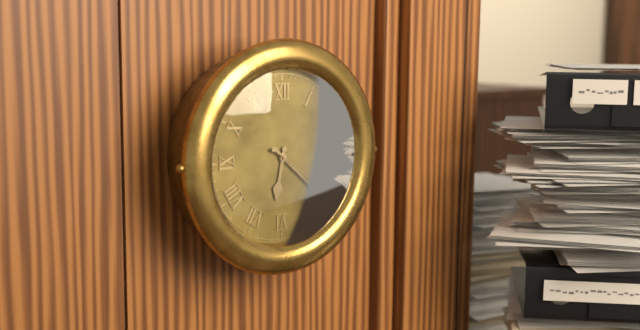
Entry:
h=6 m=22 s=21
